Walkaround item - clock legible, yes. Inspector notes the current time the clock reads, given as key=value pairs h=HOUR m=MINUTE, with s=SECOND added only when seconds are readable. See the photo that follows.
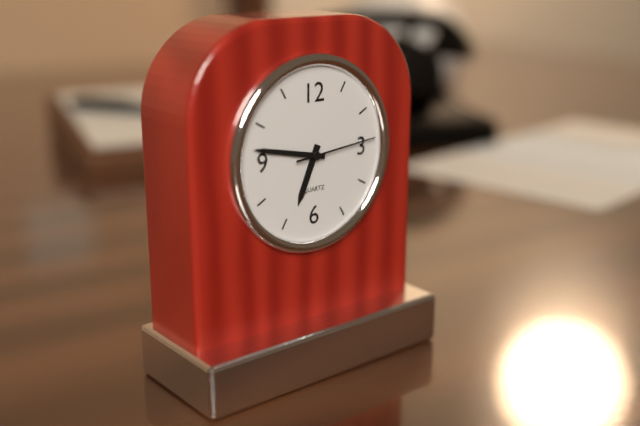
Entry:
h=6 m=47 s=14
